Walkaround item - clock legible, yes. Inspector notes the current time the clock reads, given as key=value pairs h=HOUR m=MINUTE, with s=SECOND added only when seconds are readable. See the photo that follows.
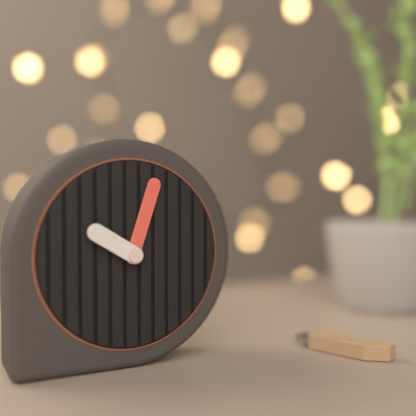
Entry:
h=10 m=3
